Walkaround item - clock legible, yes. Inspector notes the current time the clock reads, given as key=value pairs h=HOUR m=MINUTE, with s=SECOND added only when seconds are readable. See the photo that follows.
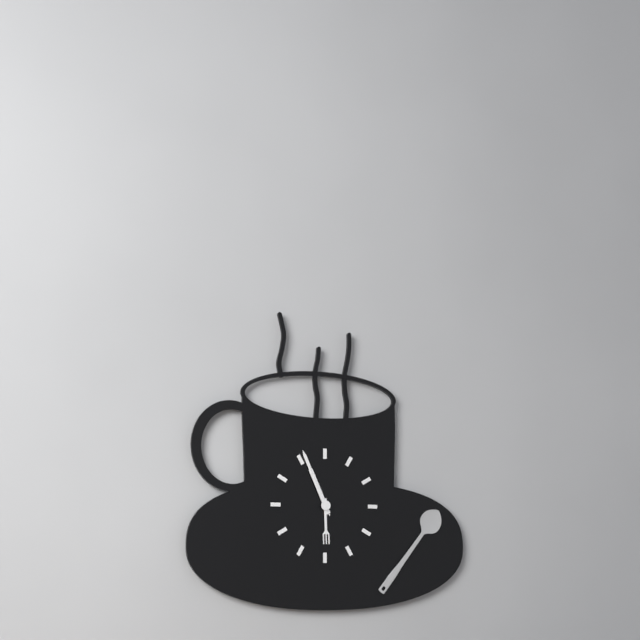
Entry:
h=5 m=56 s=56
